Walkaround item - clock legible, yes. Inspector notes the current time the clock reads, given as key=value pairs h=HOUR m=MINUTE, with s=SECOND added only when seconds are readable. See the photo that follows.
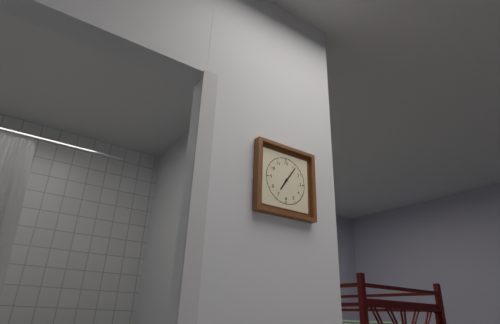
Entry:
h=7 m=6
